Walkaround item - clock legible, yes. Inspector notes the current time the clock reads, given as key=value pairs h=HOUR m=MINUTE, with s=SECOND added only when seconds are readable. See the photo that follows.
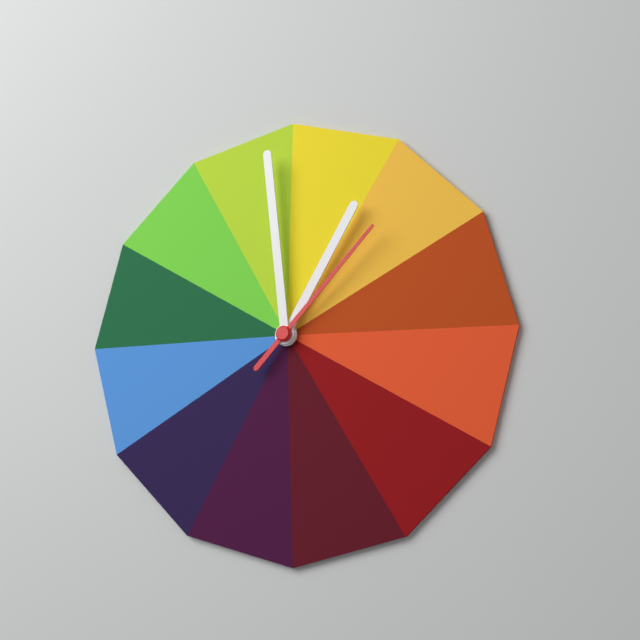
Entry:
h=12 m=59 s=7
